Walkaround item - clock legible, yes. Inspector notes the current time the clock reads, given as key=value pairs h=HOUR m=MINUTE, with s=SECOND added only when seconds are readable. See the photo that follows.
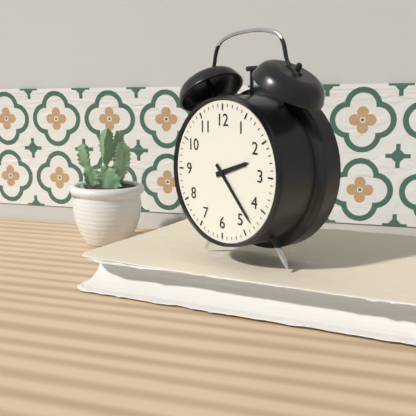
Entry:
h=2 m=23
